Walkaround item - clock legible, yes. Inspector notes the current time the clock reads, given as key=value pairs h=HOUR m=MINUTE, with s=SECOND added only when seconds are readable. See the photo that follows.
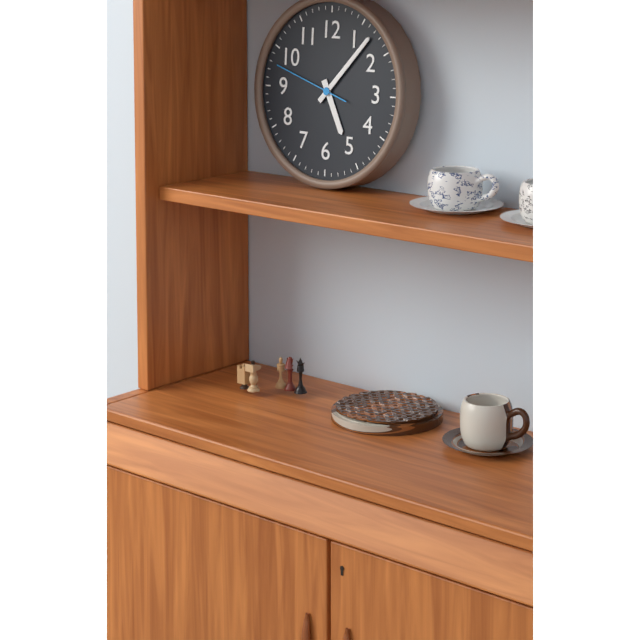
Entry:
h=5 m=7 s=48
